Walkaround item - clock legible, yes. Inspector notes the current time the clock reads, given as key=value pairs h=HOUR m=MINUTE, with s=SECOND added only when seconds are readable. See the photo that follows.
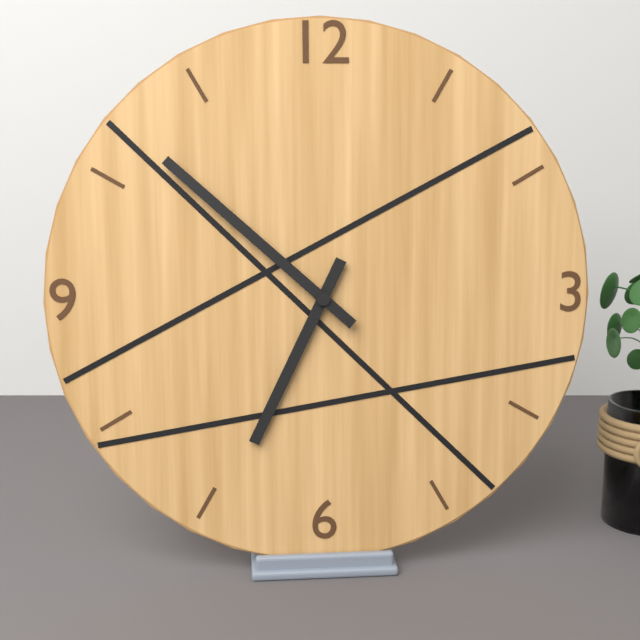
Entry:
h=6 m=52
